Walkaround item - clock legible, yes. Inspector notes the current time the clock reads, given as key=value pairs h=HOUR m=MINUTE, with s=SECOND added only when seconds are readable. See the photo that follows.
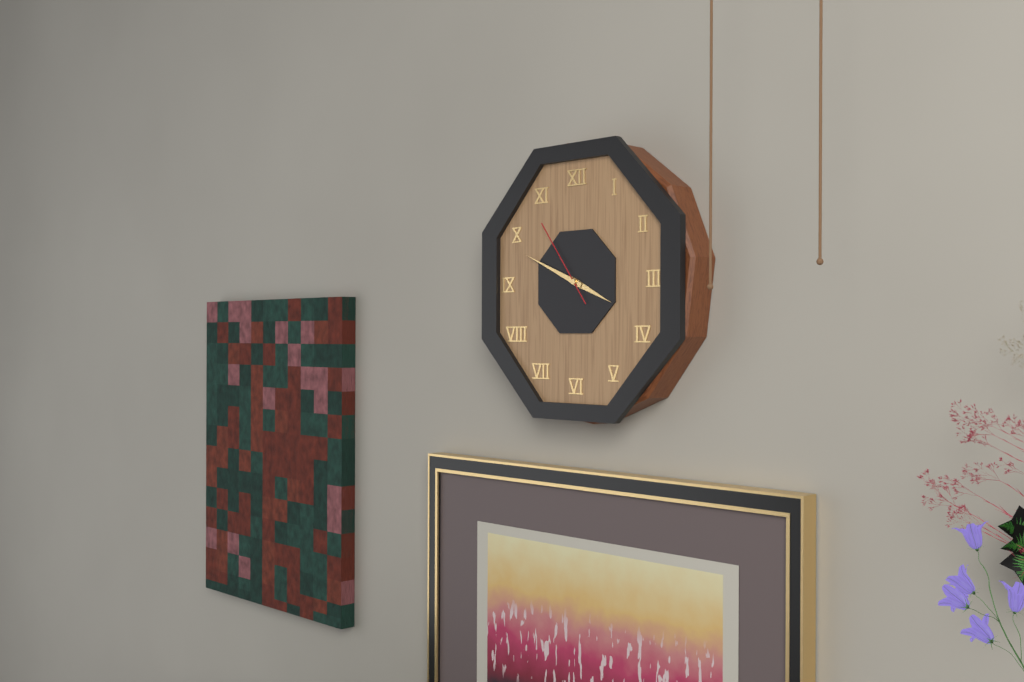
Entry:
h=3 m=49 s=54
